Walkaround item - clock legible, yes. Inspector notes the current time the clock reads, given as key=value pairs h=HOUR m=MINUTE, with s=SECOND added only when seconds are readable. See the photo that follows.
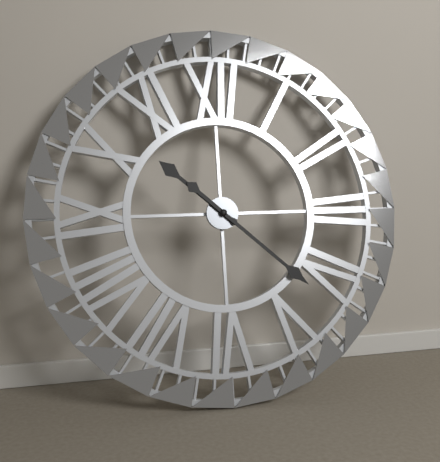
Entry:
h=10 m=22
